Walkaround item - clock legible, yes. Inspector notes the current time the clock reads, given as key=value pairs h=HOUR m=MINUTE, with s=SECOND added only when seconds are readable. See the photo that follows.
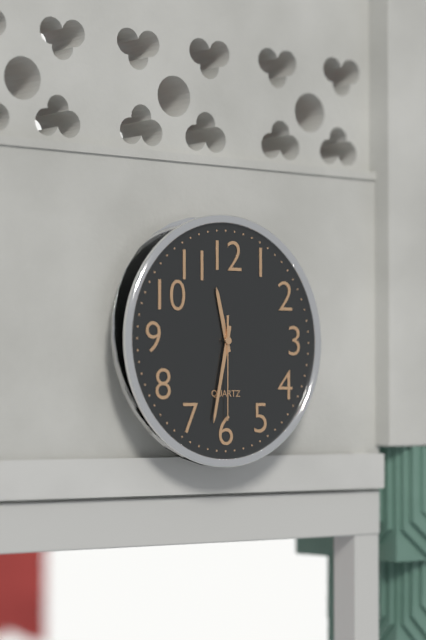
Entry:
h=11 m=32 s=30
